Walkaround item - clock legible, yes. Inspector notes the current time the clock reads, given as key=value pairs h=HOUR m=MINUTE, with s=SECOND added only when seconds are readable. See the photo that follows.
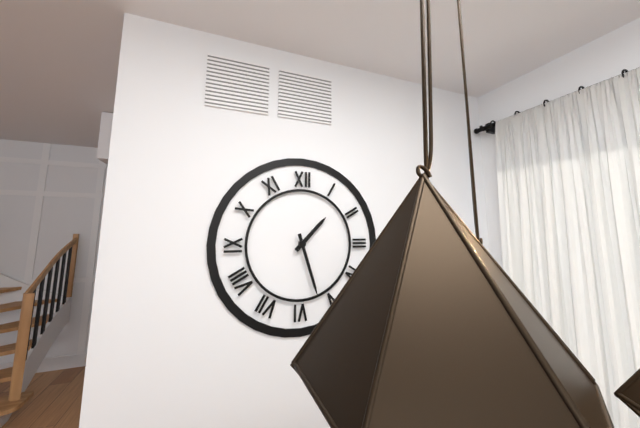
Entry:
h=1 m=27
